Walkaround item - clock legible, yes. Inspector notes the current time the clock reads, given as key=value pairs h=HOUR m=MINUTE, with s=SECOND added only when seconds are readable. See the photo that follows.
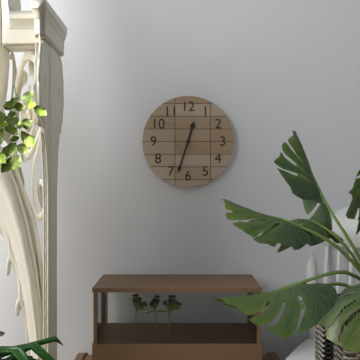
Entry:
h=12 m=33
